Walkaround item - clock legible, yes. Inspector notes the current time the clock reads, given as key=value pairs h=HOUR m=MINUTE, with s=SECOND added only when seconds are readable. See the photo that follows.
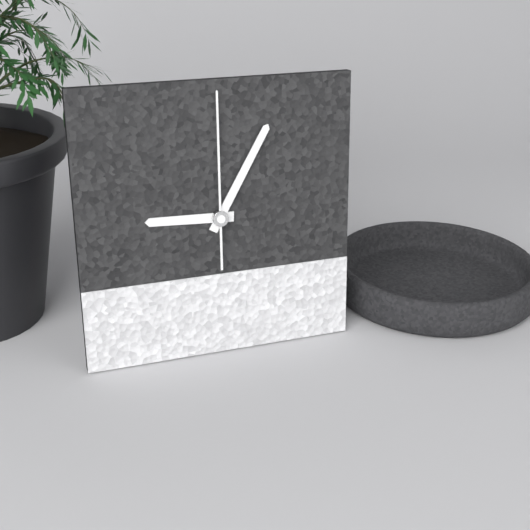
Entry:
h=9 m=5 s=0
